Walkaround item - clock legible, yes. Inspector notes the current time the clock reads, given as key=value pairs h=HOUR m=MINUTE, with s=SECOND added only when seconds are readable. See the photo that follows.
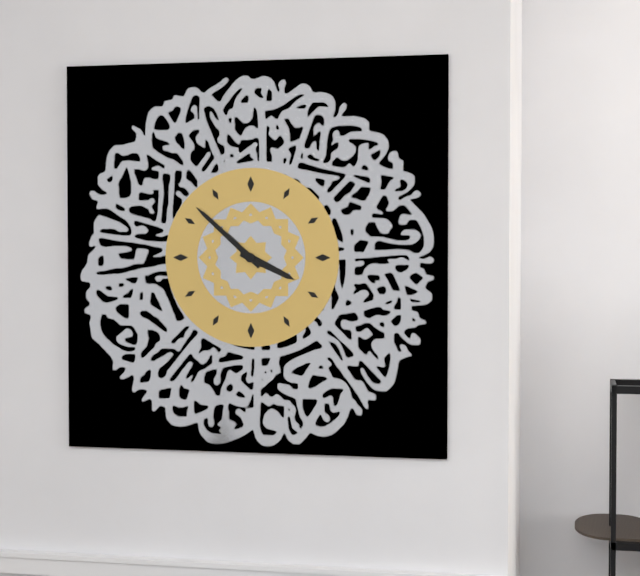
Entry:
h=3 m=52
